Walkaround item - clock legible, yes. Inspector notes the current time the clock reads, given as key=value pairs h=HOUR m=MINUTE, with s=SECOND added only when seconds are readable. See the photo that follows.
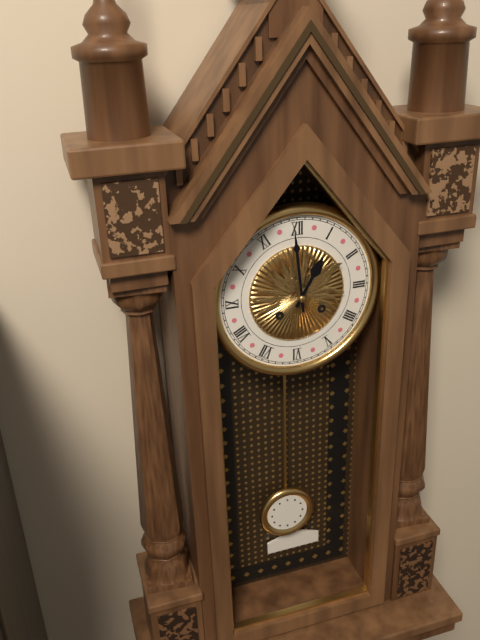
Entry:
h=12 m=59
